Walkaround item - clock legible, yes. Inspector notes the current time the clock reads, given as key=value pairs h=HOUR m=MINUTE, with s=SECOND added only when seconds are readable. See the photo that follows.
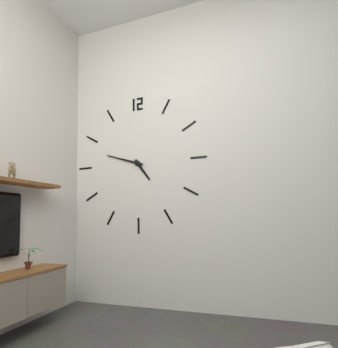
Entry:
h=4 m=48
